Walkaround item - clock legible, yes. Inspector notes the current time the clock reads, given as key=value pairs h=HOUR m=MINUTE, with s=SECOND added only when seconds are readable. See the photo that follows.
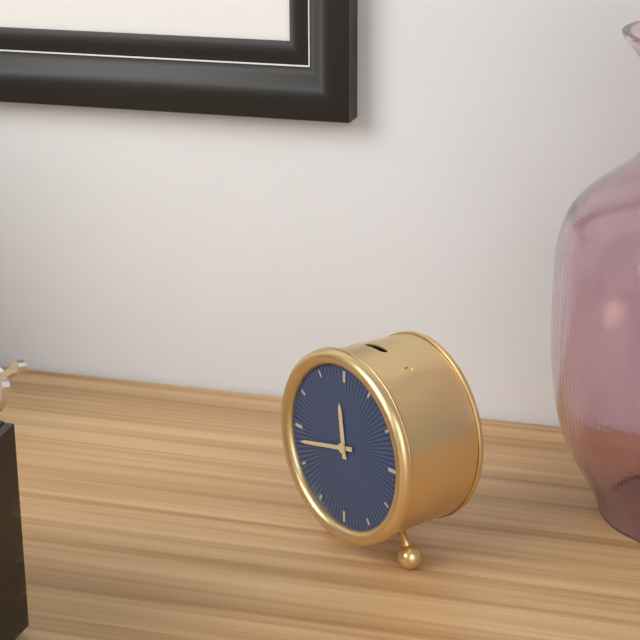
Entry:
h=11 m=43
